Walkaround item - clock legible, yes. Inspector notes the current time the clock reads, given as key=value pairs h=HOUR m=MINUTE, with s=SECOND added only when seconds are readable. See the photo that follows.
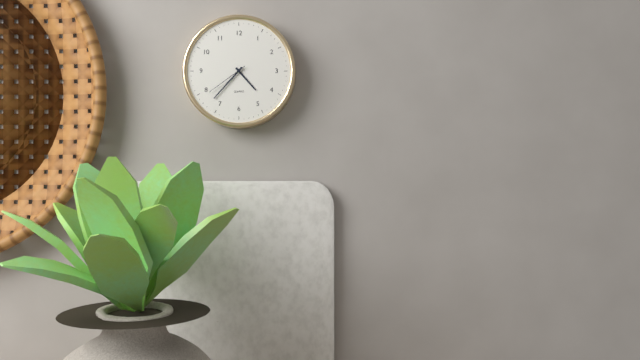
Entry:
h=4 m=37
